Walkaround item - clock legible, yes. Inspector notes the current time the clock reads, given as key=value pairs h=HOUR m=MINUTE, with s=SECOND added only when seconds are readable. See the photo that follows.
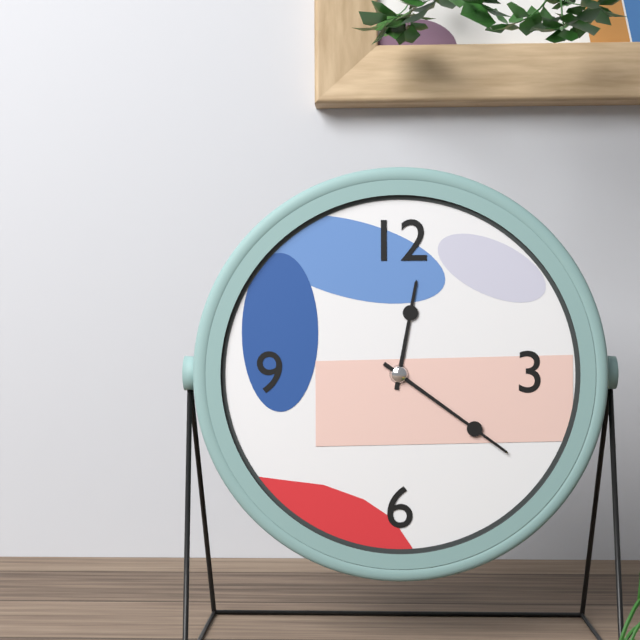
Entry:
h=12 m=21
